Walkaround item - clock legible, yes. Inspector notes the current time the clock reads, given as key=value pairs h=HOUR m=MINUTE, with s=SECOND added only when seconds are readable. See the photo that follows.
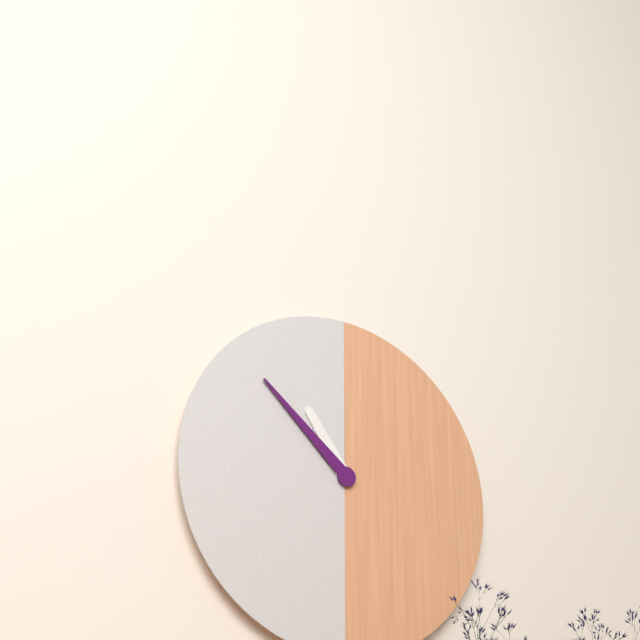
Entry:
h=10 m=52
